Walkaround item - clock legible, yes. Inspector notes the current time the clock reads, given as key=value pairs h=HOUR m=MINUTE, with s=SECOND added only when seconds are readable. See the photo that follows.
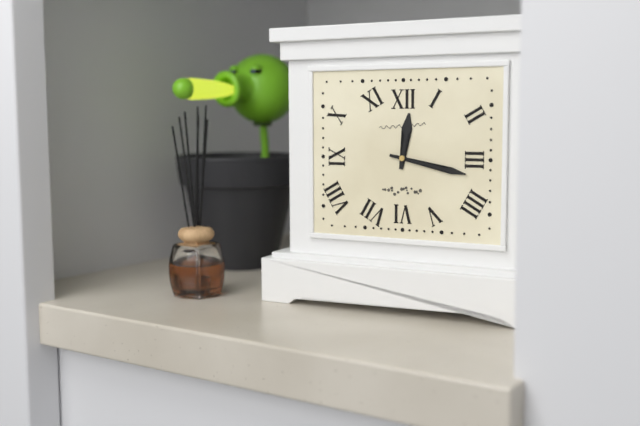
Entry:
h=12 m=17
